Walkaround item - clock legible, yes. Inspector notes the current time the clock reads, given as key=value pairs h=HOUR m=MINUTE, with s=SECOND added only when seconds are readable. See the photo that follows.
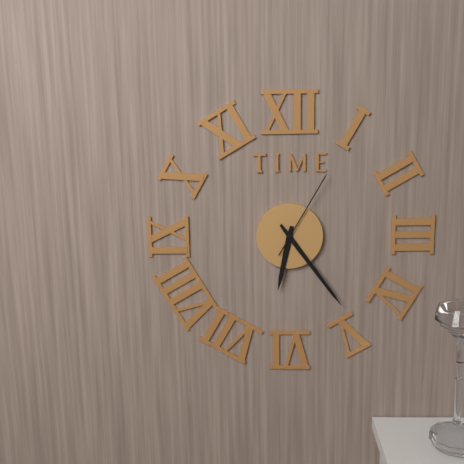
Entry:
h=6 m=24 s=5
